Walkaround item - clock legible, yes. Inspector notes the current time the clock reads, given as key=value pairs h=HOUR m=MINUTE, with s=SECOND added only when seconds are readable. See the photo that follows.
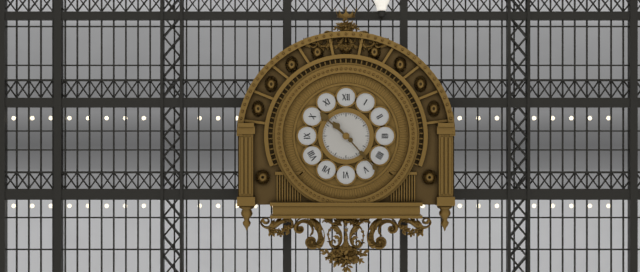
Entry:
h=10 m=23
